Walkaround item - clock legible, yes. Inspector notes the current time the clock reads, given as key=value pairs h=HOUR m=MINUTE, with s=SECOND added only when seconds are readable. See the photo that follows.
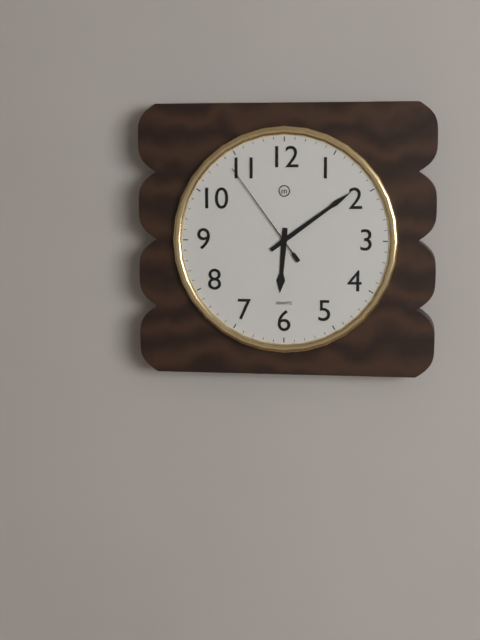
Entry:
h=6 m=9 s=54
